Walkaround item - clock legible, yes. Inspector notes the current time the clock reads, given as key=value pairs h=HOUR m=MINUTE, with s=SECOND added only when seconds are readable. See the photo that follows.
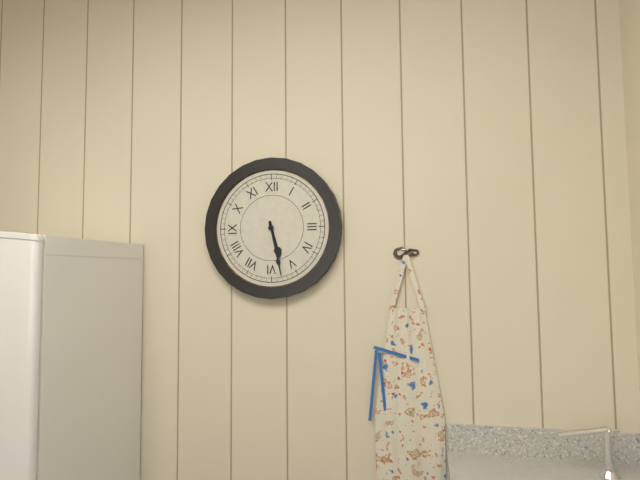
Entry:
h=5 m=28
